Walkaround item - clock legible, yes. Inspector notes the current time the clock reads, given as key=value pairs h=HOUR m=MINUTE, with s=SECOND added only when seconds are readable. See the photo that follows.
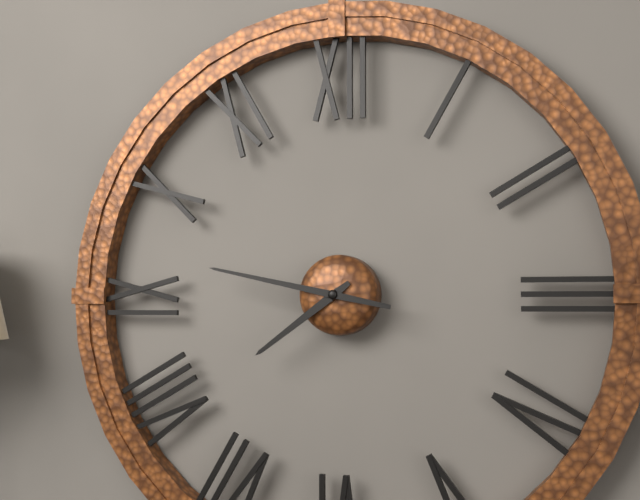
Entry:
h=7 m=47
